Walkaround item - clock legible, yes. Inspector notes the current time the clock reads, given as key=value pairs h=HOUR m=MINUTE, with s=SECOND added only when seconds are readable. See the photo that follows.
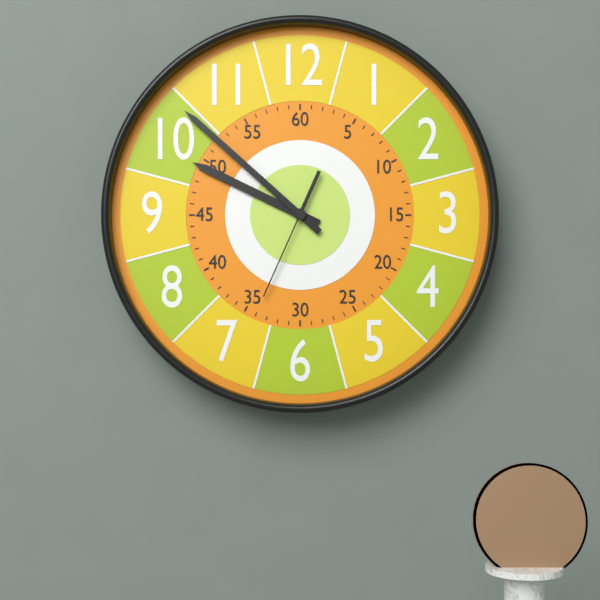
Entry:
h=9 m=52 s=34
